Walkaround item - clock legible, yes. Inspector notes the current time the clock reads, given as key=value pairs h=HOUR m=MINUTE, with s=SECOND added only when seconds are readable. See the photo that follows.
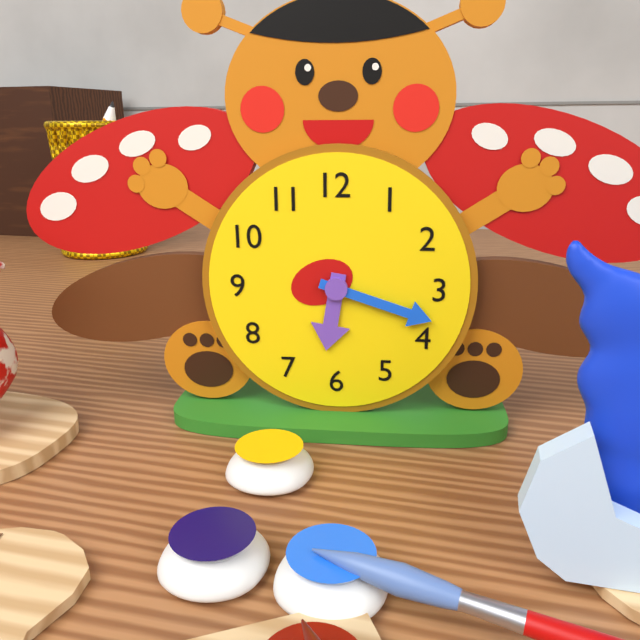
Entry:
h=6 m=18
